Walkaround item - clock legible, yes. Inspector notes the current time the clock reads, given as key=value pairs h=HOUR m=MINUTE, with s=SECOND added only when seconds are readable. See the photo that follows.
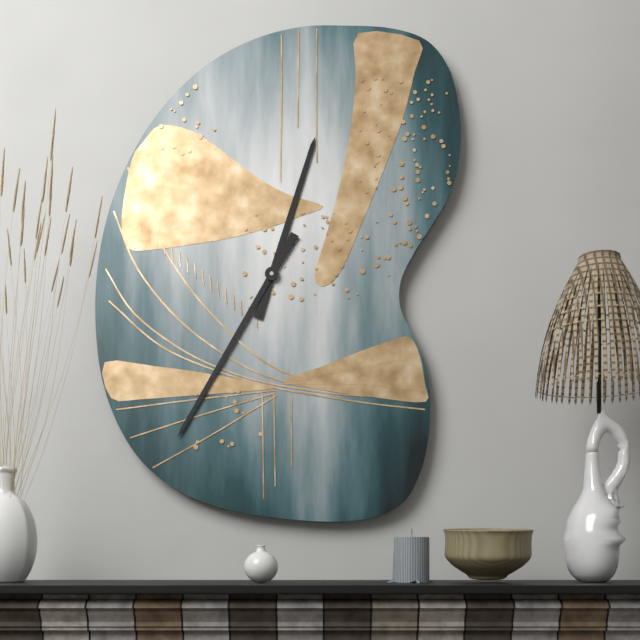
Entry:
h=12 m=35
